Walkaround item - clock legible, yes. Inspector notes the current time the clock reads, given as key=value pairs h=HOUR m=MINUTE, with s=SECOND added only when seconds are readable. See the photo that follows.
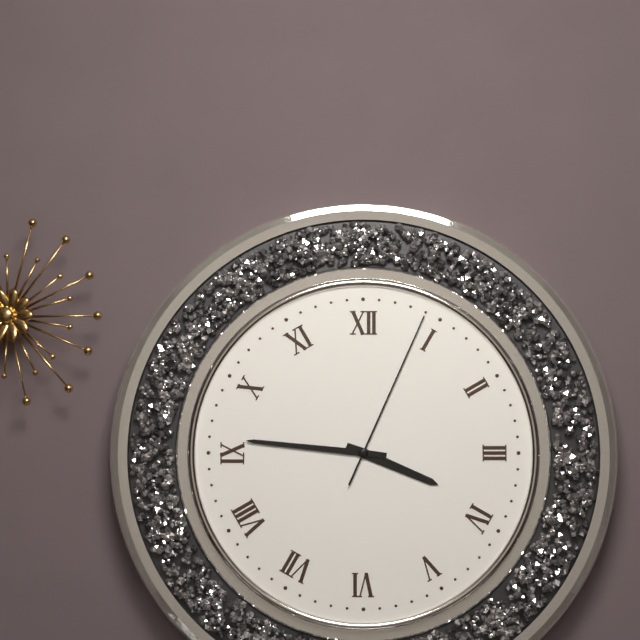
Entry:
h=3 m=46 s=4
